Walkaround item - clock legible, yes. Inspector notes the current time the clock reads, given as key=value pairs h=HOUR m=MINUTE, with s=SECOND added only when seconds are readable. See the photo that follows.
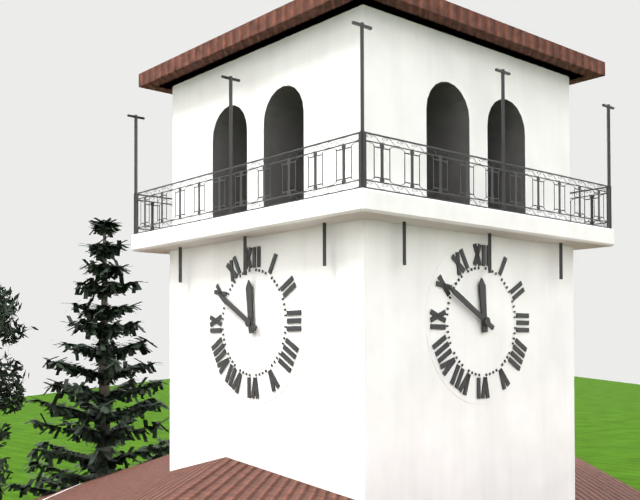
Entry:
h=11 m=50
